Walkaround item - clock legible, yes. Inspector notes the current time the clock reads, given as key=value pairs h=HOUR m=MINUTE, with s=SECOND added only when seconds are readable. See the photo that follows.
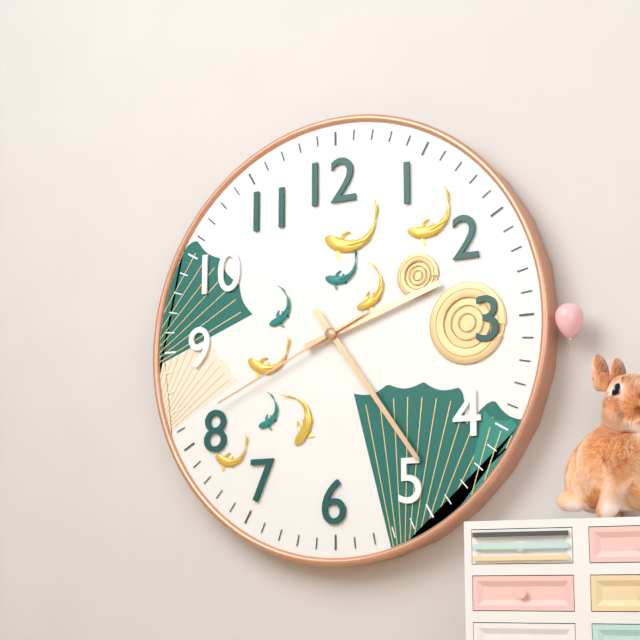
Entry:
h=2 m=24 s=41
